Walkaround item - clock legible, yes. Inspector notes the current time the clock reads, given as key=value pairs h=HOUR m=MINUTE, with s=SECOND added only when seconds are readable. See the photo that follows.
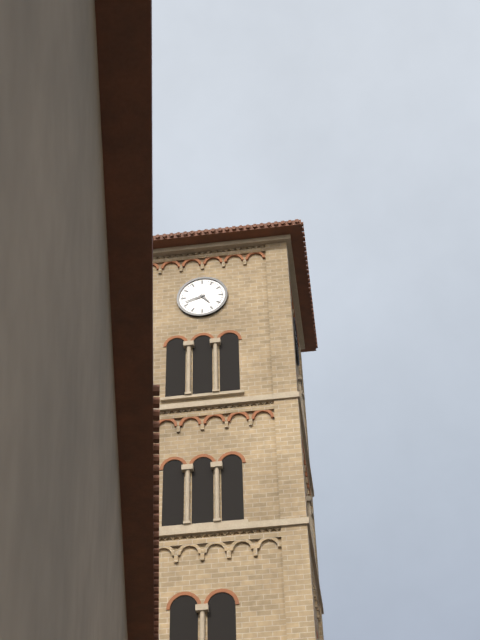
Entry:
h=4 m=42
